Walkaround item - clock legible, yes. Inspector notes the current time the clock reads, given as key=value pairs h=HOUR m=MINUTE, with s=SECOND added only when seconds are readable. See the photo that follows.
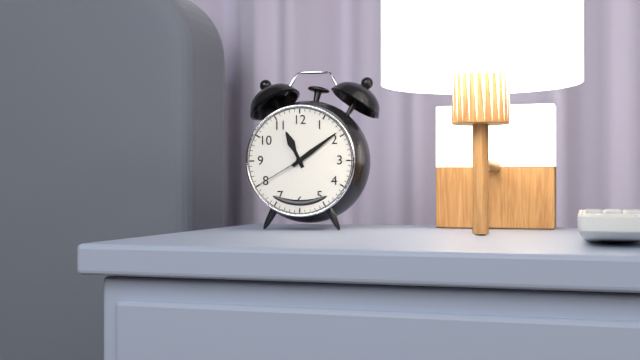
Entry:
h=11 m=9 s=40
